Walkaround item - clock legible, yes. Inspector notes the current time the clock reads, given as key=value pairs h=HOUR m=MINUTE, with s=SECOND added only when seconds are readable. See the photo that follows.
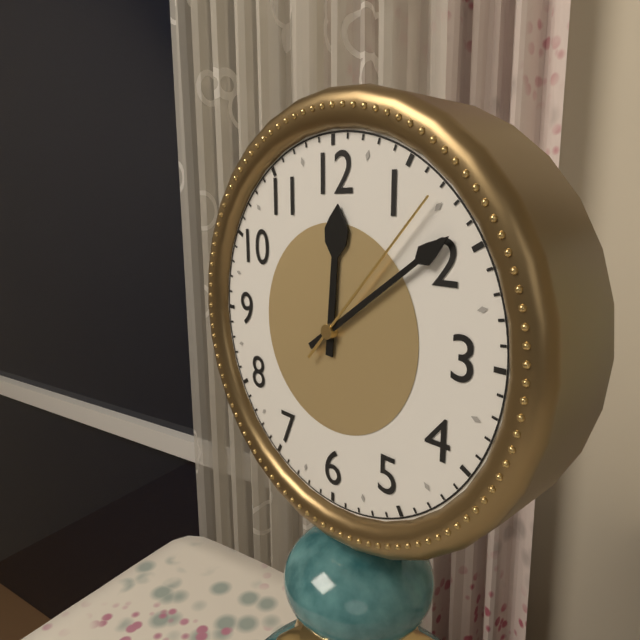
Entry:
h=12 m=9 s=7
